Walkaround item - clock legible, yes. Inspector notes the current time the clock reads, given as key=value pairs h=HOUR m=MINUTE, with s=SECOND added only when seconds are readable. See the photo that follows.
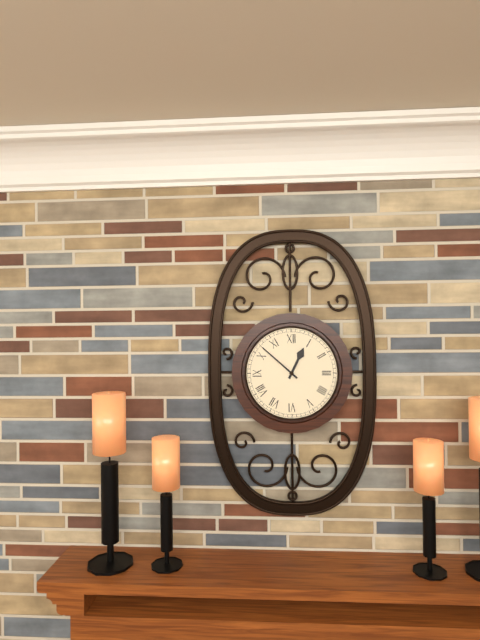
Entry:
h=12 m=52
